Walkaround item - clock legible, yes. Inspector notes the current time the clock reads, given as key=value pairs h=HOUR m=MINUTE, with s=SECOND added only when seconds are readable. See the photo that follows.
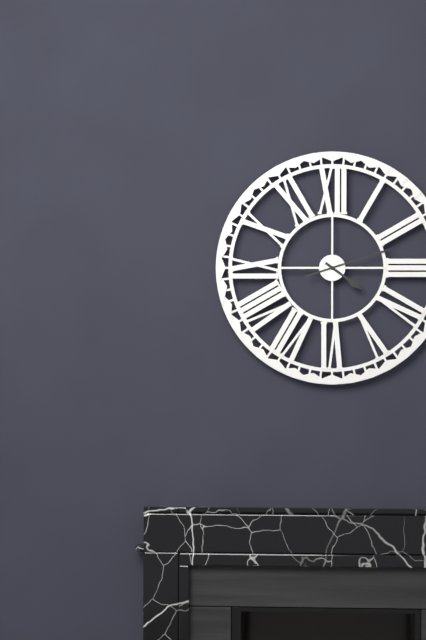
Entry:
h=4 m=12
